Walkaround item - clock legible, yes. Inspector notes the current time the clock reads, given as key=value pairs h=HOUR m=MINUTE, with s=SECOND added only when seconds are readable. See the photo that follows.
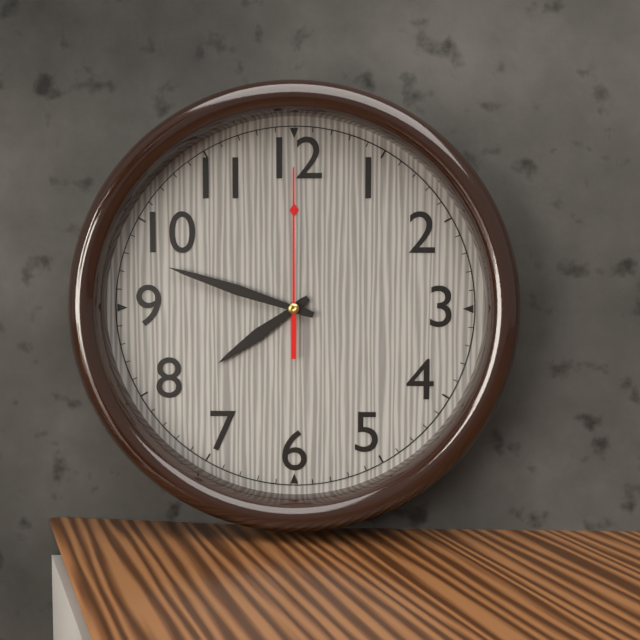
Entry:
h=7 m=48 s=0
